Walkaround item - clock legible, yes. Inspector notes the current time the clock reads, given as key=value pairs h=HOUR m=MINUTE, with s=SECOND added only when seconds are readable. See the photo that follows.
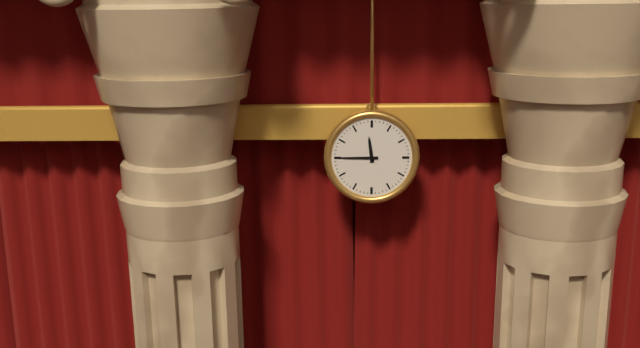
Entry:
h=11 m=45
